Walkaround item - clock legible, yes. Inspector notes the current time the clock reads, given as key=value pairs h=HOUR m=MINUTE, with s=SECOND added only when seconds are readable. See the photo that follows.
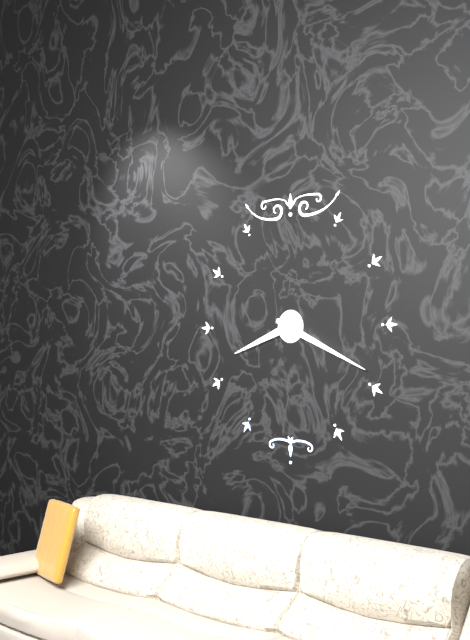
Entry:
h=8 m=19
